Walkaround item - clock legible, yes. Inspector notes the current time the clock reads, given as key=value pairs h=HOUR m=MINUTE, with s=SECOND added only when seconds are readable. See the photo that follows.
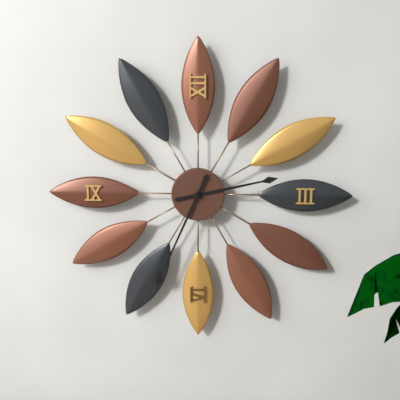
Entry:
h=2 m=34
